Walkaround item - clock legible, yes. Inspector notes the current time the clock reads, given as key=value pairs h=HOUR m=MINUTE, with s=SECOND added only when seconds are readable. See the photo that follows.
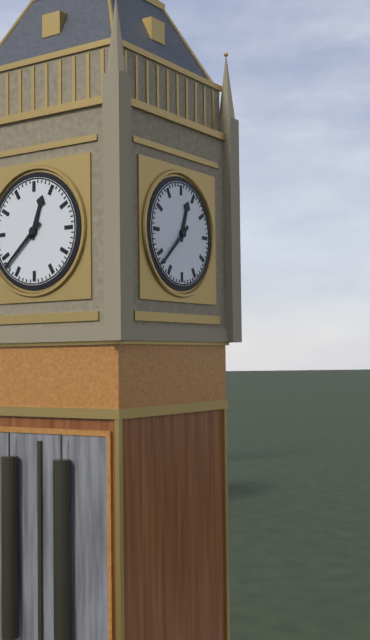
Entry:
h=12 m=38
